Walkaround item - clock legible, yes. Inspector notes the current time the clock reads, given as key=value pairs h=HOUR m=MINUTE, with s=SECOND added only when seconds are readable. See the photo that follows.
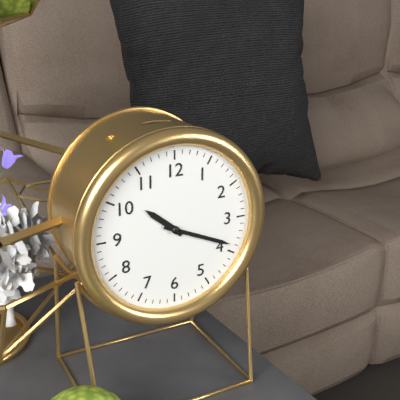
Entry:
h=10 m=19
